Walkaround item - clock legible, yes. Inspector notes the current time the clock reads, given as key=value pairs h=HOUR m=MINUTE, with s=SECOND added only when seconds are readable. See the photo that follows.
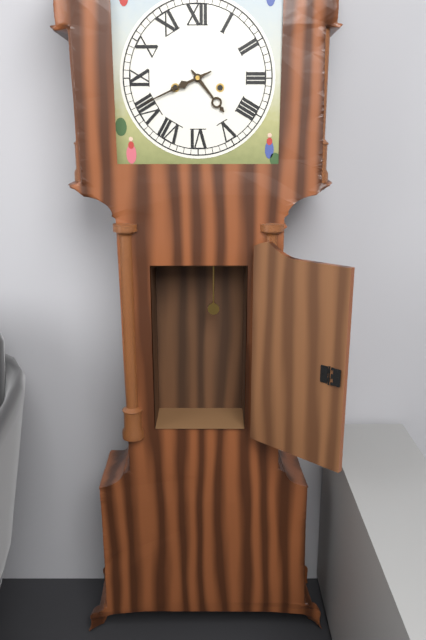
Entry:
h=4 m=41
